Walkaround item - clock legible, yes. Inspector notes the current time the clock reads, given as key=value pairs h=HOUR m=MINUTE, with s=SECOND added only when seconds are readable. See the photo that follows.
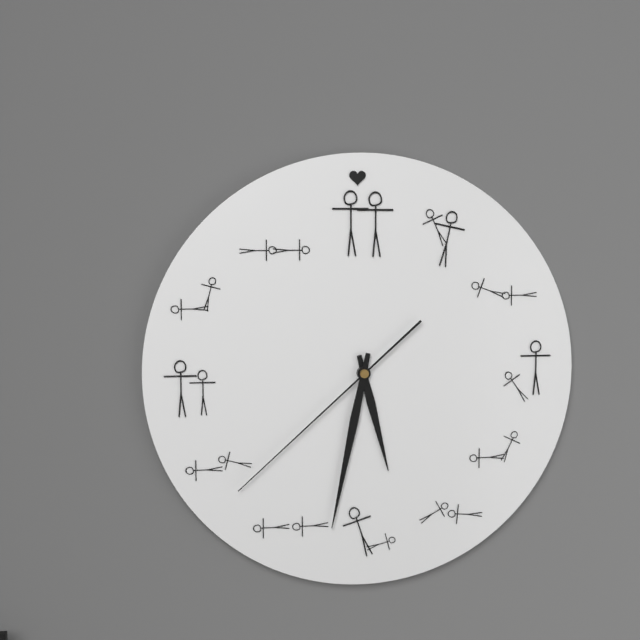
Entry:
h=5 m=32 s=38
